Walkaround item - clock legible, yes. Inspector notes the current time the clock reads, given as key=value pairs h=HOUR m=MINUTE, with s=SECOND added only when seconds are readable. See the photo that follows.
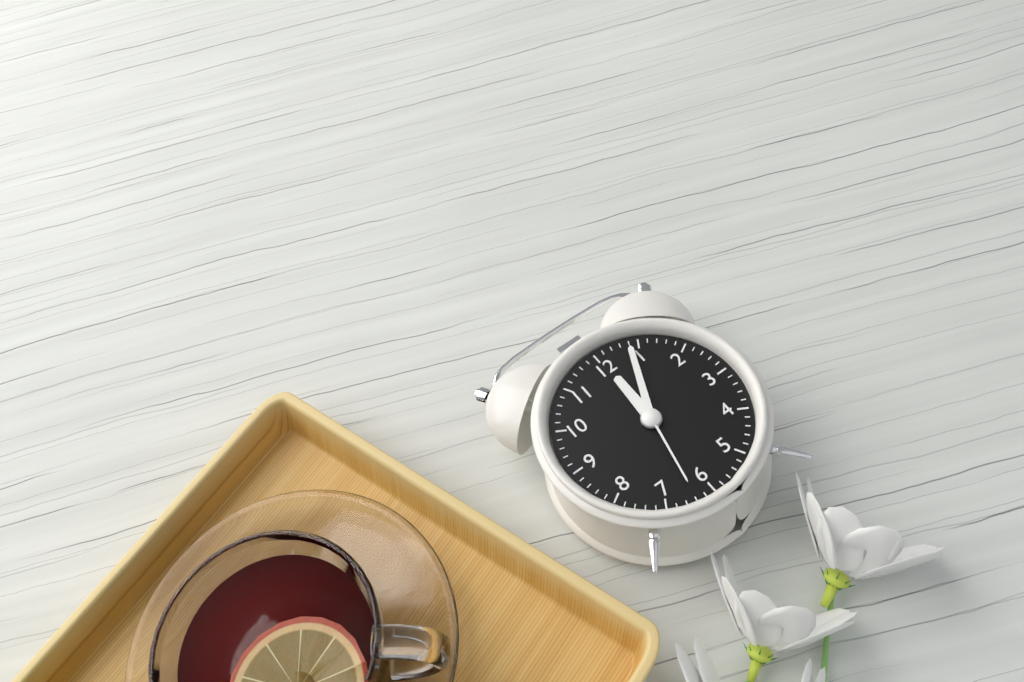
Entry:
h=12 m=4 s=32
